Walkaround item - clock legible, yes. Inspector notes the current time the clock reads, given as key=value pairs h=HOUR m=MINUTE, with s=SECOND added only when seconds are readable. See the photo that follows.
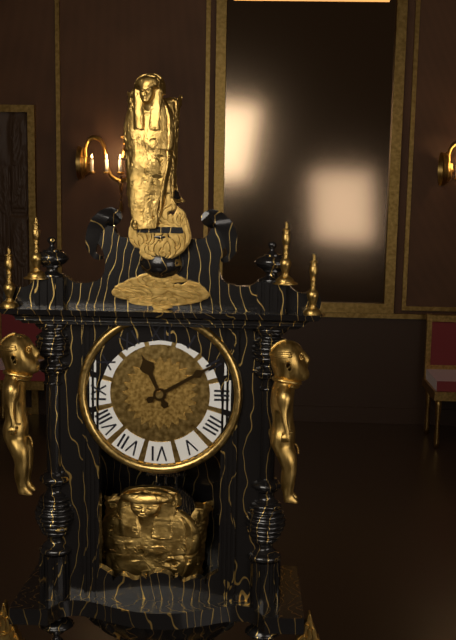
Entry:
h=11 m=10
